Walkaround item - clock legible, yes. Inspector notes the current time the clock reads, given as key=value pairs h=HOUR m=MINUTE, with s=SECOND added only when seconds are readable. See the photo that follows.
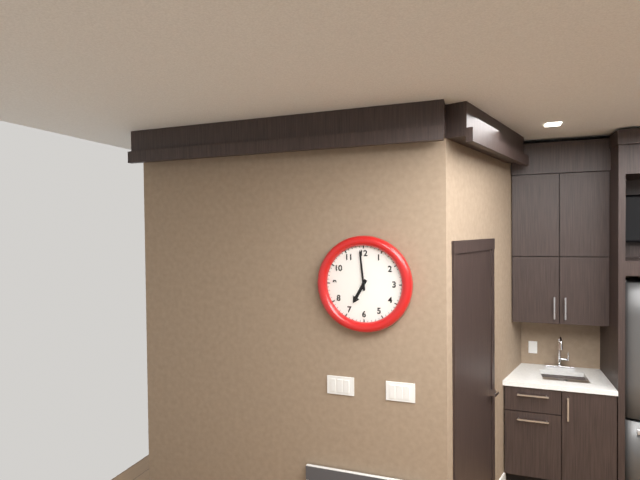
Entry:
h=6 m=59
